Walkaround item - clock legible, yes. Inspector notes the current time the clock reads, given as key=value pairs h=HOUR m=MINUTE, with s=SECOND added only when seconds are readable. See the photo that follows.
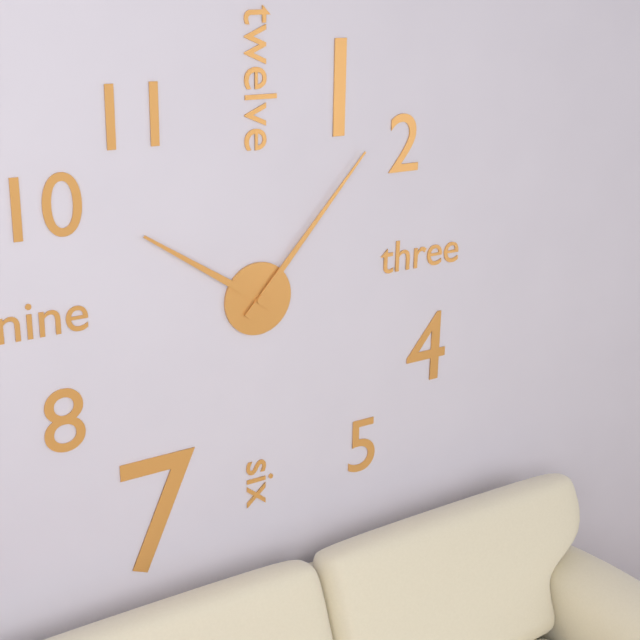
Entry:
h=10 m=7
